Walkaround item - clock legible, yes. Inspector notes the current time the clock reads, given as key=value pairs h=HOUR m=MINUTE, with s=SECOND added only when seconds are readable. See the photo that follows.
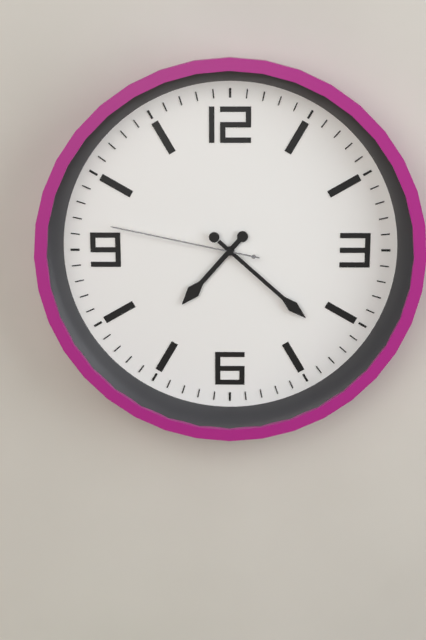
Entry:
h=7 m=22 s=47
